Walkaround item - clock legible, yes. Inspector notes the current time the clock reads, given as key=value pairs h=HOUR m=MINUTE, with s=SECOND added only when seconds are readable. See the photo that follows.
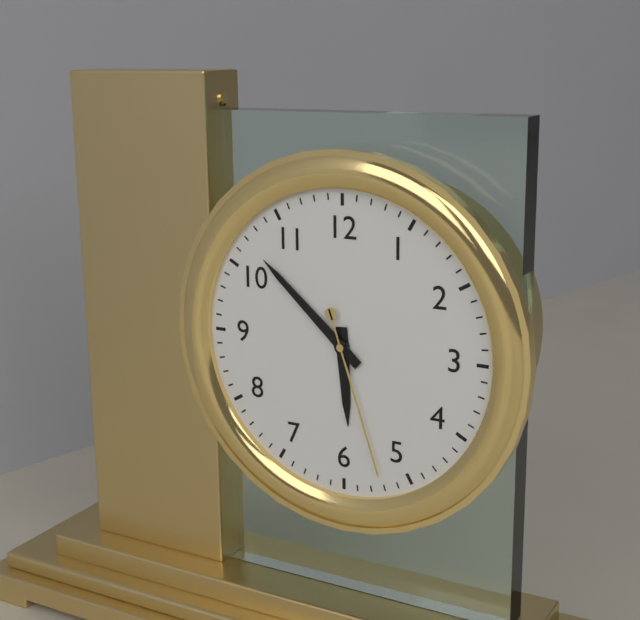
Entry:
h=5 m=52 s=27
